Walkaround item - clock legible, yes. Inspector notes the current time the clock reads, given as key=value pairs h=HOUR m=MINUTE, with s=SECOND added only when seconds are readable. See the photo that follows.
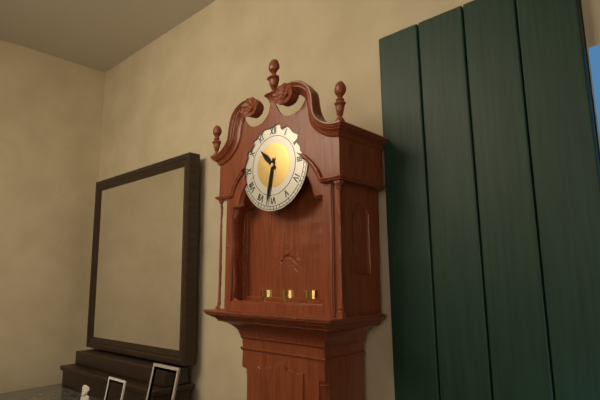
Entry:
h=10 m=32
